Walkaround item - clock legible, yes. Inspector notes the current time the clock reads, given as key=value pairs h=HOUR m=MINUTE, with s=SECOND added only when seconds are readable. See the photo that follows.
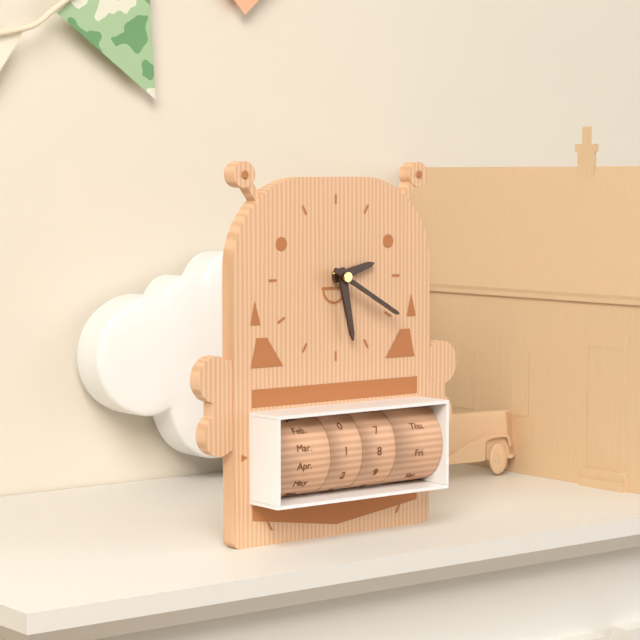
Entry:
h=2 m=28 s=20
